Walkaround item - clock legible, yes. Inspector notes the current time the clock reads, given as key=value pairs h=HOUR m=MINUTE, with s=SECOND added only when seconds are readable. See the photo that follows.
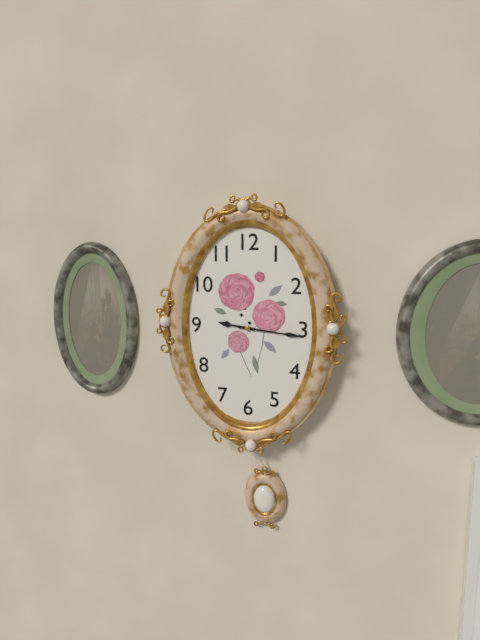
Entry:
h=9 m=16
